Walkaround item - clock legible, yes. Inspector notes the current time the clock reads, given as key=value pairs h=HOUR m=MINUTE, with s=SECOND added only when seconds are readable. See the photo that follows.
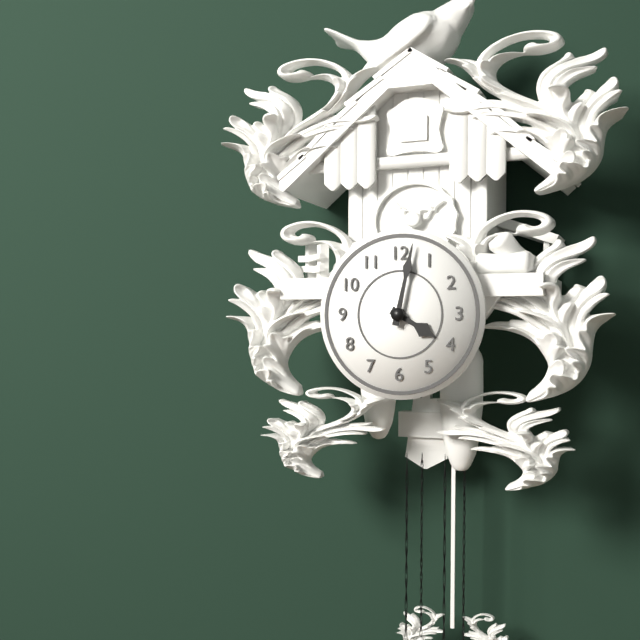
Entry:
h=4 m=2
